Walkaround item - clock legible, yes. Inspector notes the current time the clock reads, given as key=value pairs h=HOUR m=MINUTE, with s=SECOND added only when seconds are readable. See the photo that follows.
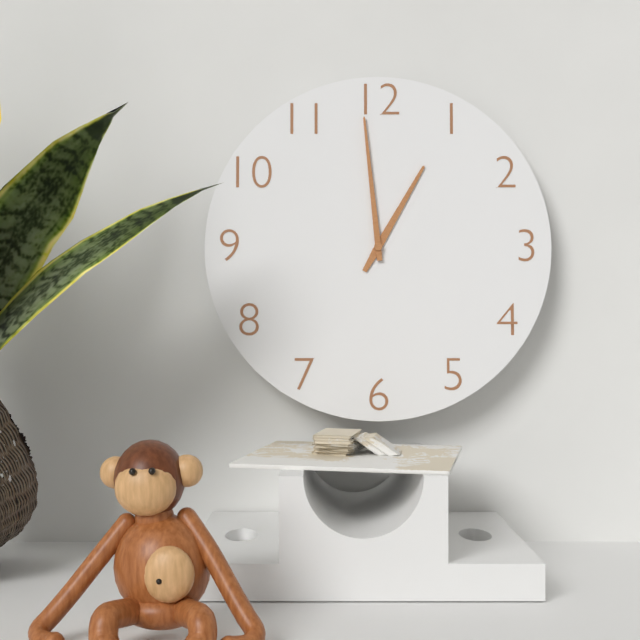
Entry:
h=12 m=59
